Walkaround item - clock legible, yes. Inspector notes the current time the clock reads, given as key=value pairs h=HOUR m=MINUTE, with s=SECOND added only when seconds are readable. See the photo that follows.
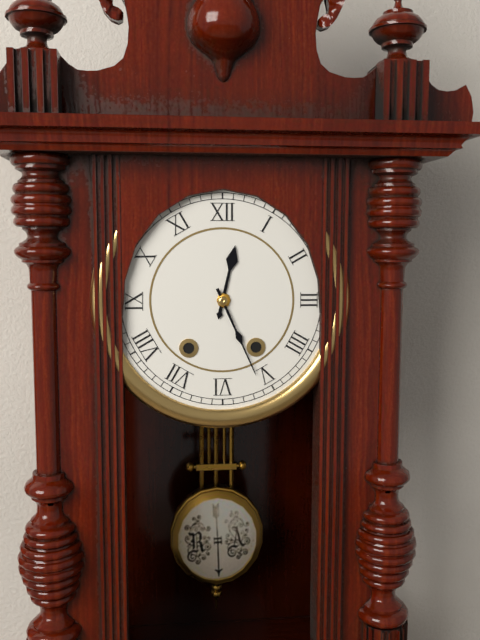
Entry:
h=12 m=26
